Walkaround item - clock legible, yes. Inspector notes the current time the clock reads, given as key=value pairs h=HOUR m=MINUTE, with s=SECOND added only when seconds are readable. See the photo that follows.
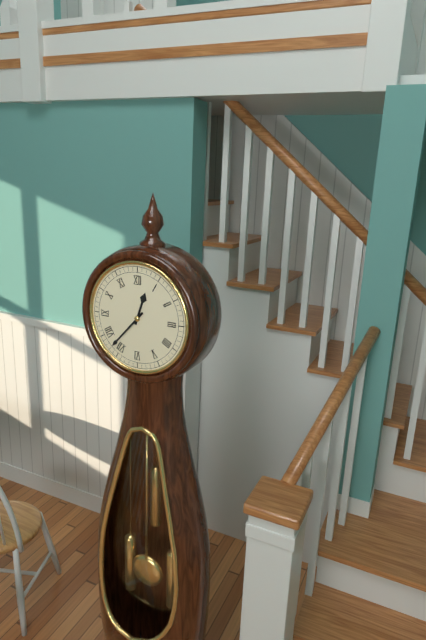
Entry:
h=12 m=37
